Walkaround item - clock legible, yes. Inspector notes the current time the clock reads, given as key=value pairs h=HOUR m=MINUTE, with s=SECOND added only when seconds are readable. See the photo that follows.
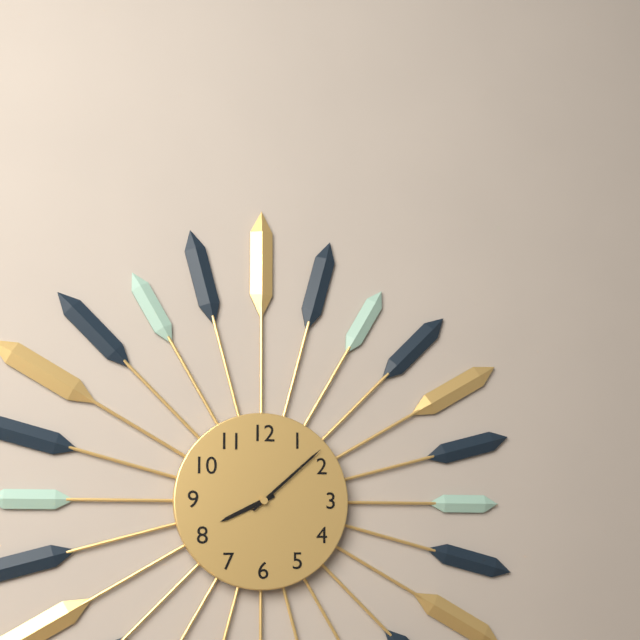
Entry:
h=8 m=8
